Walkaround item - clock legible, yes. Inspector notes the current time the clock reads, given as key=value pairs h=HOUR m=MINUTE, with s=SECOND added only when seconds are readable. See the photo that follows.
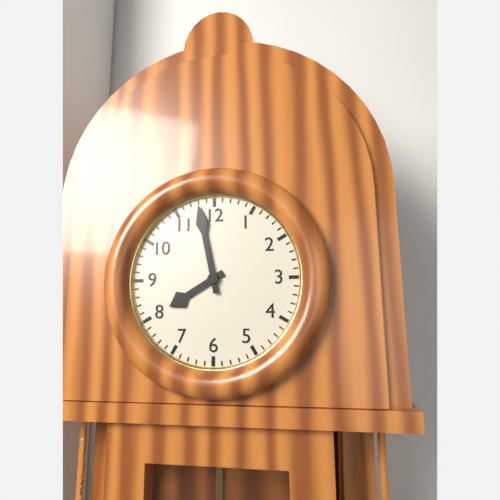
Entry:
h=7 m=58
